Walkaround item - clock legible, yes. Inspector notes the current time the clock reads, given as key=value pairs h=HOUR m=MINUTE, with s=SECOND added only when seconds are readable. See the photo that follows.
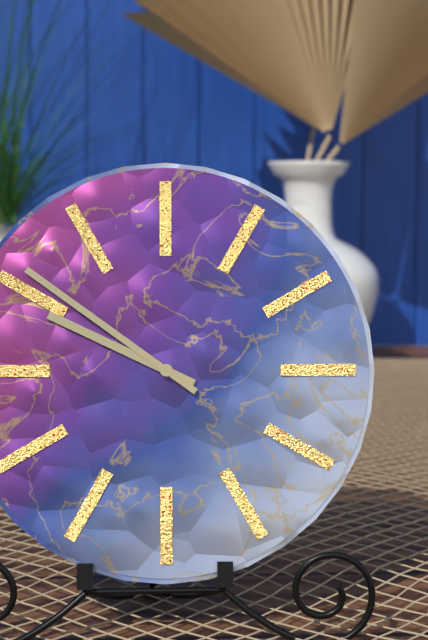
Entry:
h=9 m=51
